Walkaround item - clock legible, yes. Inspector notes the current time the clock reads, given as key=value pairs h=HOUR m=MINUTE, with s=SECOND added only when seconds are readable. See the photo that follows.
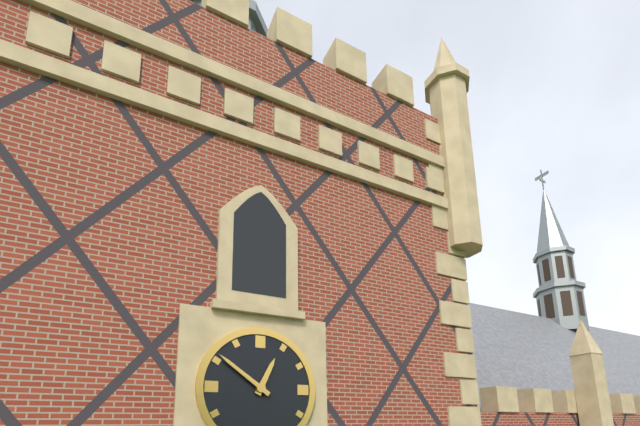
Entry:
h=12 m=51
